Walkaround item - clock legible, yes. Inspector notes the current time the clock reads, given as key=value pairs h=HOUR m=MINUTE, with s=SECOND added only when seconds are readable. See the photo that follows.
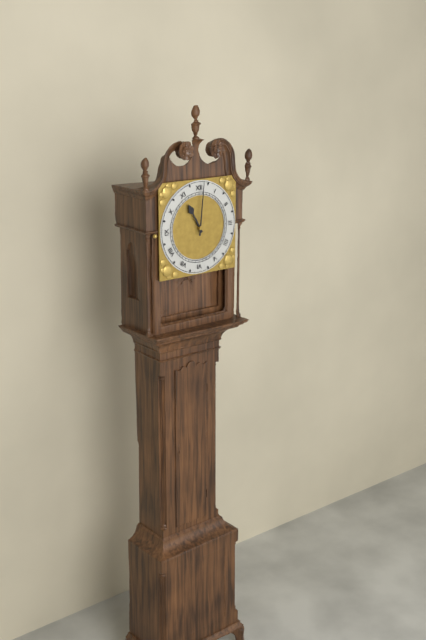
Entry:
h=11 m=1
